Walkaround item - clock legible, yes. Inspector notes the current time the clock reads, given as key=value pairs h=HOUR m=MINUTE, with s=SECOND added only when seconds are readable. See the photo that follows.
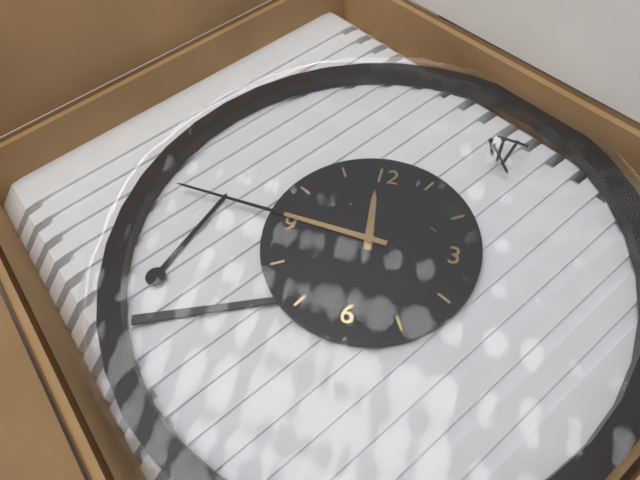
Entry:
h=11 m=46
